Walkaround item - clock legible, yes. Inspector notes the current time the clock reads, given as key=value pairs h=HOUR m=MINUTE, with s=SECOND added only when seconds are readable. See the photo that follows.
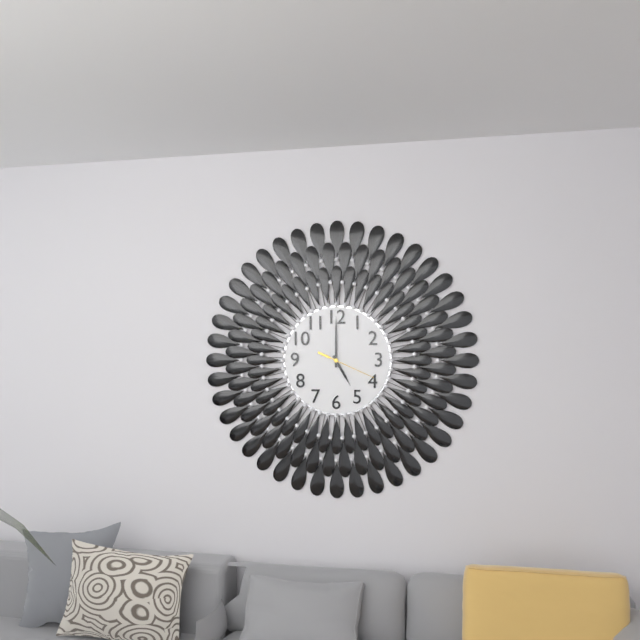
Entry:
h=5 m=0 s=19
